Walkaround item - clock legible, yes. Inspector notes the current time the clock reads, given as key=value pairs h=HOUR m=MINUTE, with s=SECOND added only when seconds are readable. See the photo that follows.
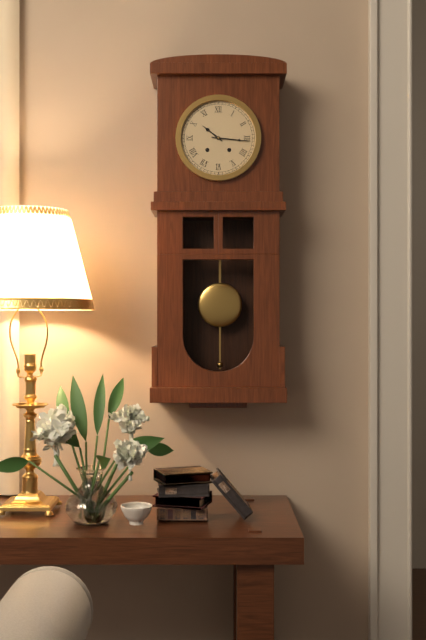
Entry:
h=10 m=16
